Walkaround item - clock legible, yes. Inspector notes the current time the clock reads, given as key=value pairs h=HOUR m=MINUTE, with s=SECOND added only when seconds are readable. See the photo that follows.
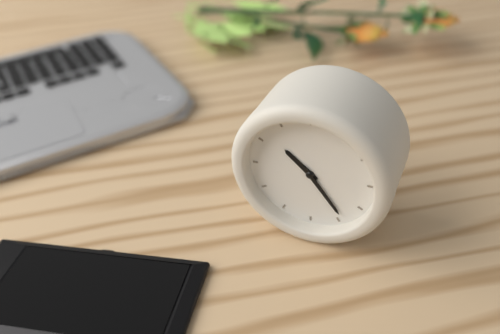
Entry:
h=10 m=24
